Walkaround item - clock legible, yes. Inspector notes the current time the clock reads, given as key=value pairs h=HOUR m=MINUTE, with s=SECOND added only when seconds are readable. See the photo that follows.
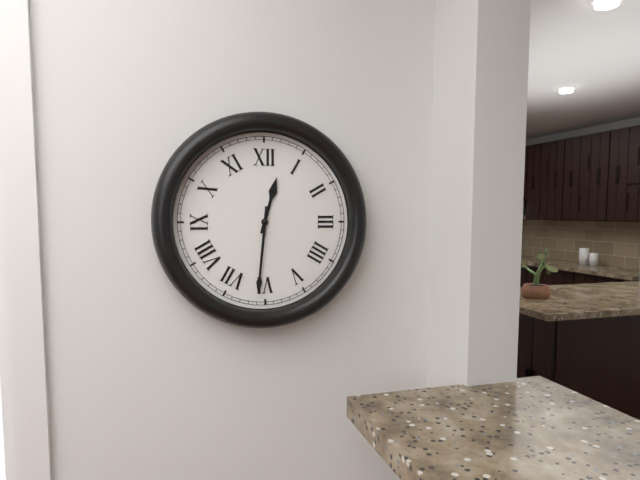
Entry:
h=12 m=31
